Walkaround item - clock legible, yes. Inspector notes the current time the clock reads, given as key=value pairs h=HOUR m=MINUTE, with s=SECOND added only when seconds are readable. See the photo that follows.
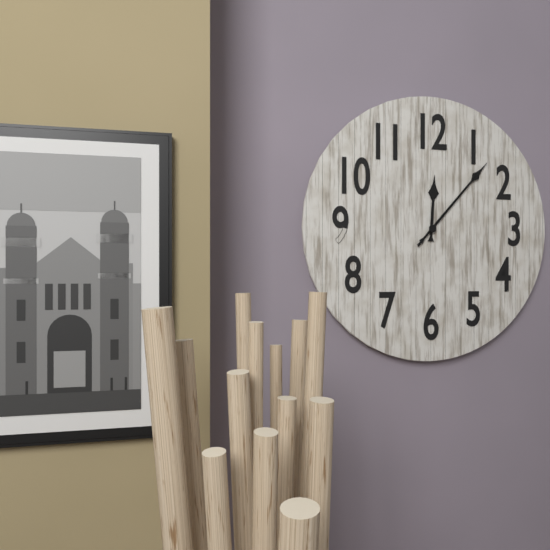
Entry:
h=12 m=7 s=7
